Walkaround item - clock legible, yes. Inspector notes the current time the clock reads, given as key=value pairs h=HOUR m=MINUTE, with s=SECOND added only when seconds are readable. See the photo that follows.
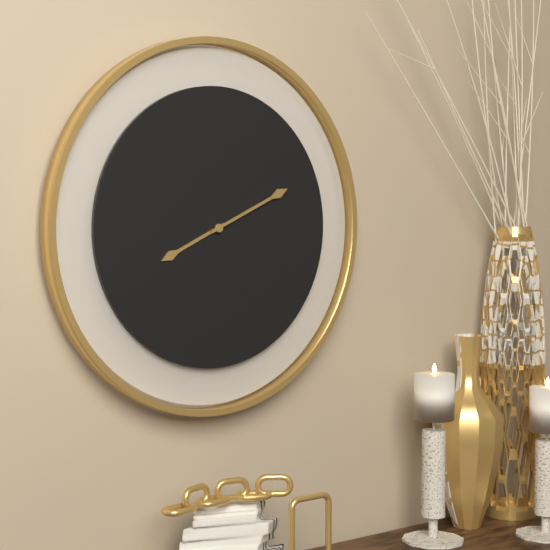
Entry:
h=8 m=11
